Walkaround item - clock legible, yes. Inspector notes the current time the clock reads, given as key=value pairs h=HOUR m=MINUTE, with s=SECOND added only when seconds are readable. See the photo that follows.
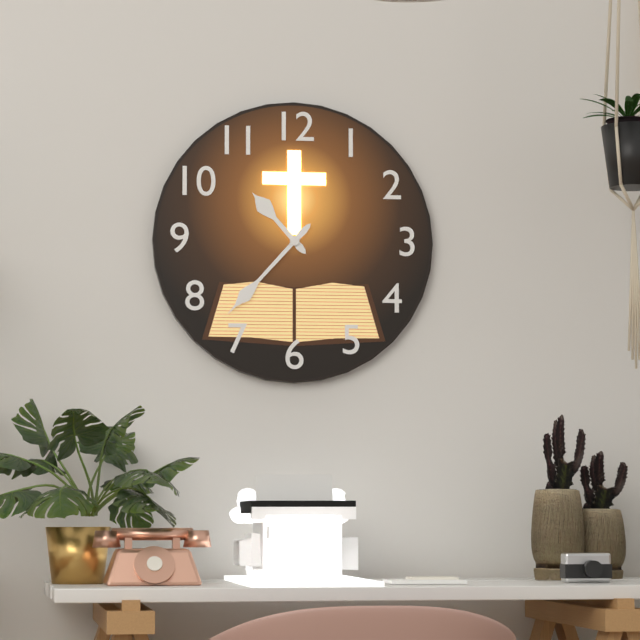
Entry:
h=10 m=37
